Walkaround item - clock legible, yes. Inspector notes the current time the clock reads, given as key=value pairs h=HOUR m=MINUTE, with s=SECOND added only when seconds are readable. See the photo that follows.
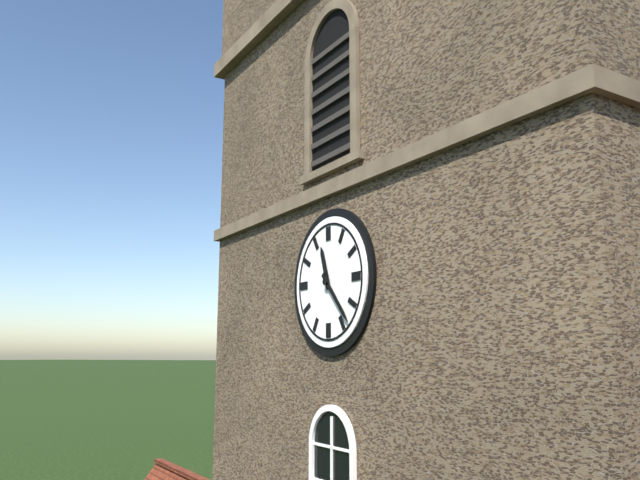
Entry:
h=11 m=23
